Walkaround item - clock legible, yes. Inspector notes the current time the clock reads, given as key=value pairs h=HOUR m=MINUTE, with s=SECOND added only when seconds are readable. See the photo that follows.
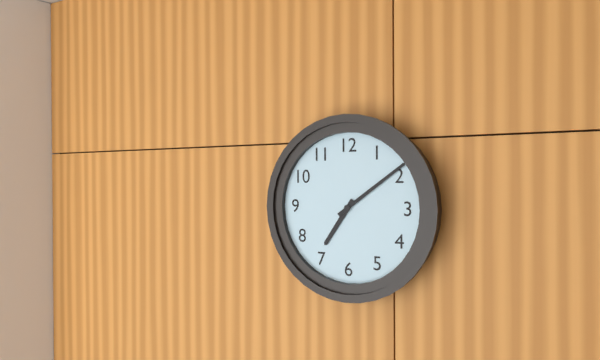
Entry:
h=7 m=9
